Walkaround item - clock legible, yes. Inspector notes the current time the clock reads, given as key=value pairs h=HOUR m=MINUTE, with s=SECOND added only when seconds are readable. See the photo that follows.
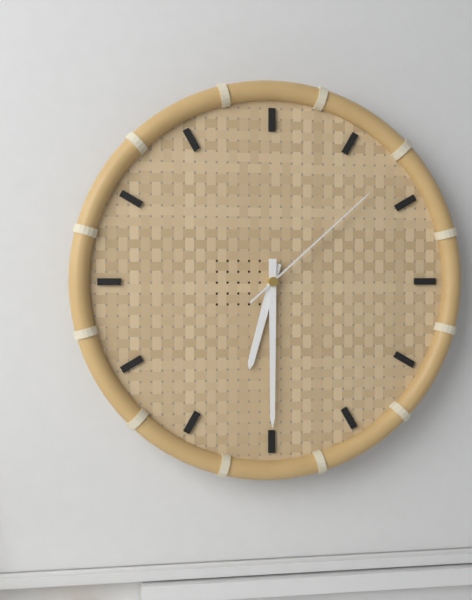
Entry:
h=6 m=30 s=8
